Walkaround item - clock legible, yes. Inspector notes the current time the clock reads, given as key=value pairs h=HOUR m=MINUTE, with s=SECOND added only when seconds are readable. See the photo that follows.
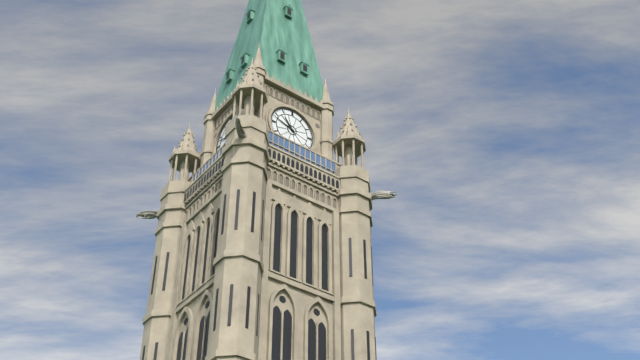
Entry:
h=10 m=48
